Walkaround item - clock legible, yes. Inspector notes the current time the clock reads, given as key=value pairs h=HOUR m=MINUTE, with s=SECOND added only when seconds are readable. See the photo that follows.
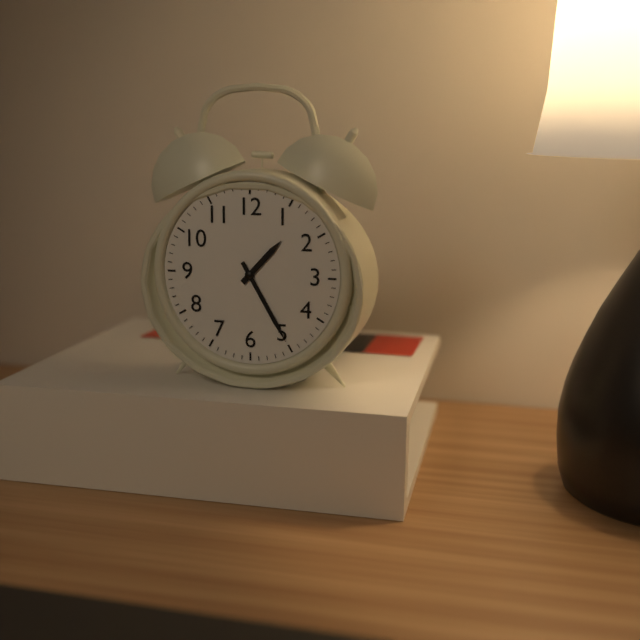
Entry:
h=1 m=25
